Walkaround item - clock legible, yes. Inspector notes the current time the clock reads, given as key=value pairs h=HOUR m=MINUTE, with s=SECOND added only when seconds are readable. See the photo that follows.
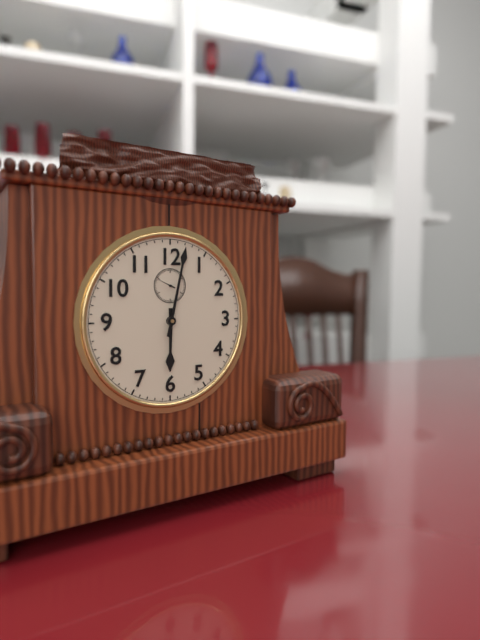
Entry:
h=6 m=2
